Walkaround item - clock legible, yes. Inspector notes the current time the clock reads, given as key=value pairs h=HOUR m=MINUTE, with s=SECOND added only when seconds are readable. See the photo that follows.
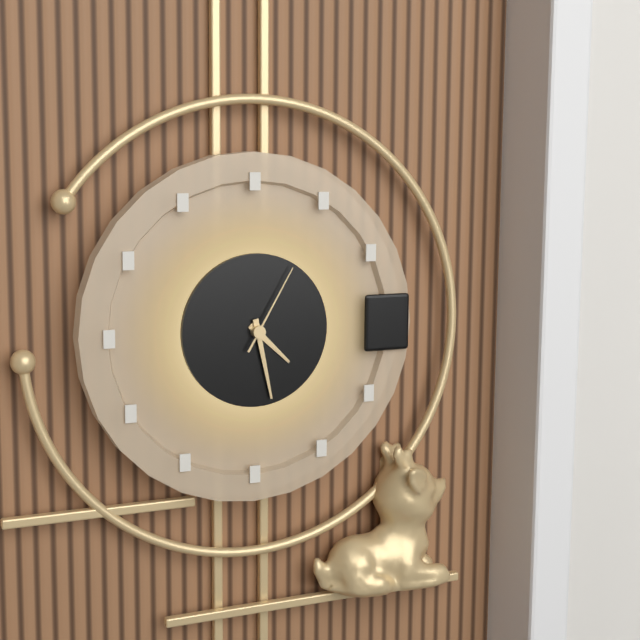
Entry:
h=4 m=28 s=5
